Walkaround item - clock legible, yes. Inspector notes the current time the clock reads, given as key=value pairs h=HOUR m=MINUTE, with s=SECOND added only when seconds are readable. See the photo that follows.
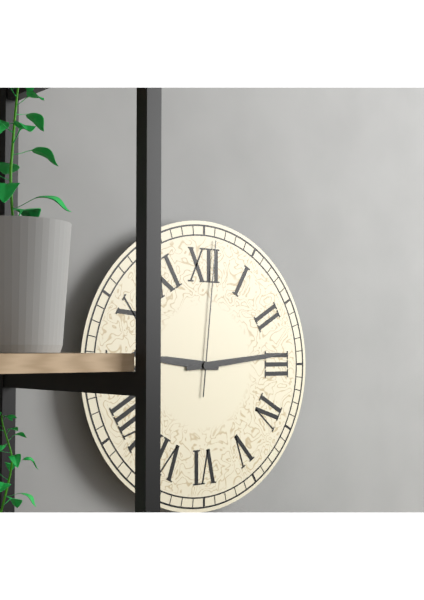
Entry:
h=9 m=14 s=1
